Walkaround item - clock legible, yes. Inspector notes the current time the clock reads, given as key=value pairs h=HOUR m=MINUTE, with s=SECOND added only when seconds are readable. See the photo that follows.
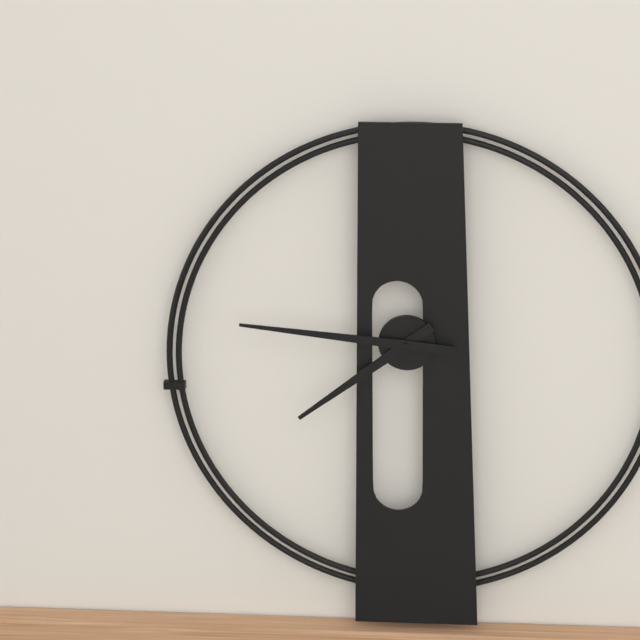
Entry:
h=7 m=46
